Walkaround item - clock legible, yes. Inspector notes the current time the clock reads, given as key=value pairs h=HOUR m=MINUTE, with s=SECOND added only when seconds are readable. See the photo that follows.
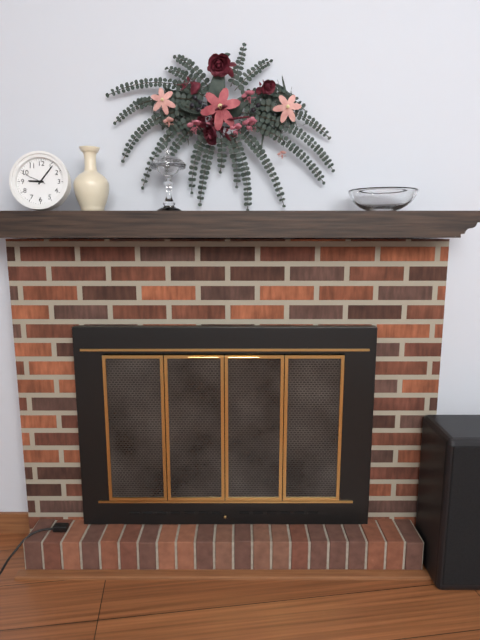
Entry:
h=9 m=6
